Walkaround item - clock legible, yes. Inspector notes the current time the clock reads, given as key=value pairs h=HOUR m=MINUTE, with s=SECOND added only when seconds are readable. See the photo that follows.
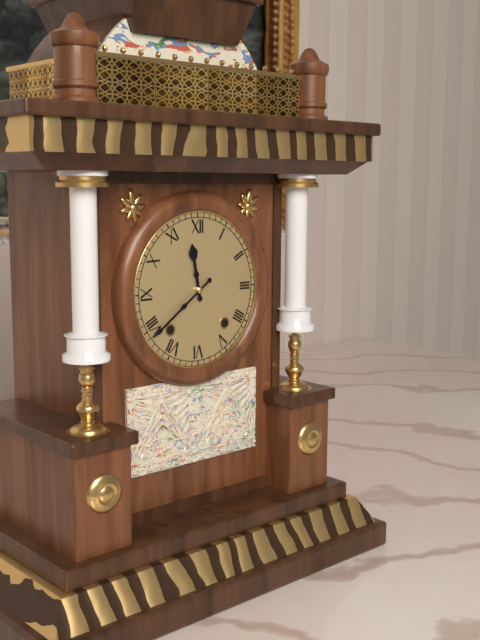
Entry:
h=11 m=39
